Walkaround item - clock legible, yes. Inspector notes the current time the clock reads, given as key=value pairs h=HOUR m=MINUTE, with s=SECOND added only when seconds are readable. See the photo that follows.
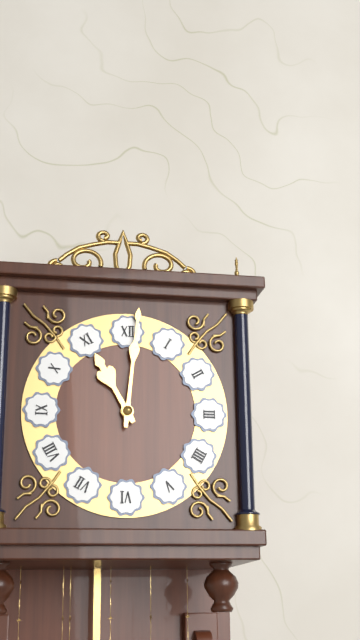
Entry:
h=11 m=1
